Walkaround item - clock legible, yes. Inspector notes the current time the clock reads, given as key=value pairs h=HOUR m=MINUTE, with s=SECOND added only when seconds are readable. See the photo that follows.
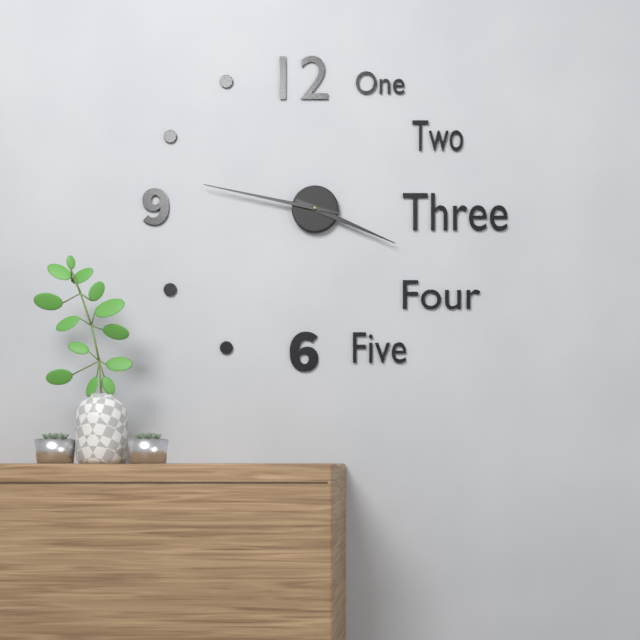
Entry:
h=3 m=47
